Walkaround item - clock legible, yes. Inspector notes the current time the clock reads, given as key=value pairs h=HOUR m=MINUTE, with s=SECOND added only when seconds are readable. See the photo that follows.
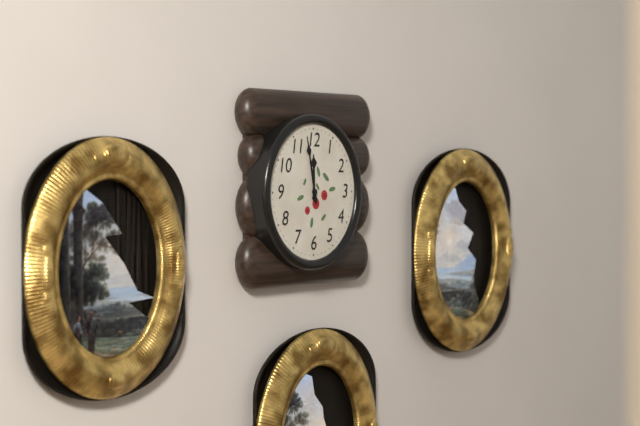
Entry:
h=11 m=58
